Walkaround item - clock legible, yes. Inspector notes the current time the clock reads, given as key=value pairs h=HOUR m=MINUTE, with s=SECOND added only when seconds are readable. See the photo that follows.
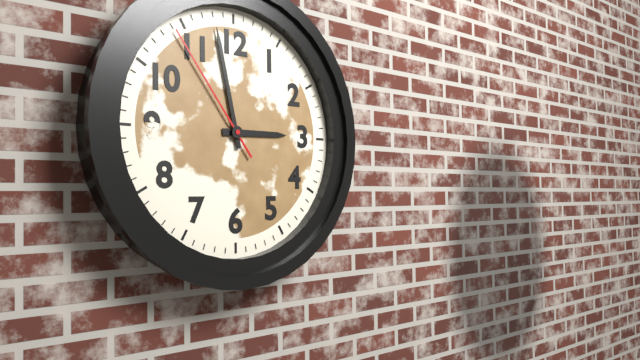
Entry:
h=2 m=58 s=54
